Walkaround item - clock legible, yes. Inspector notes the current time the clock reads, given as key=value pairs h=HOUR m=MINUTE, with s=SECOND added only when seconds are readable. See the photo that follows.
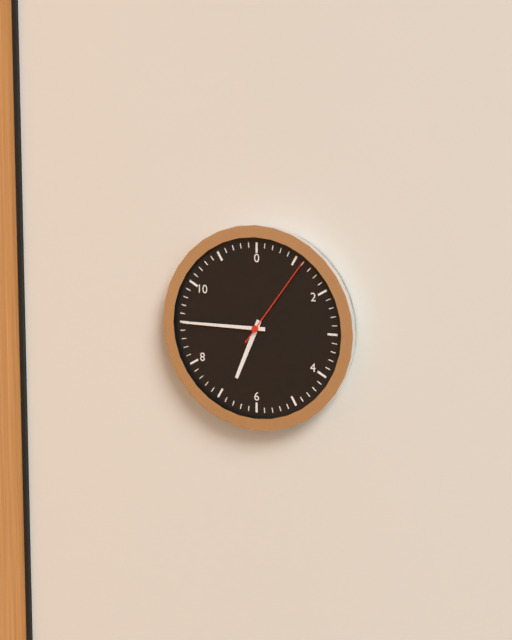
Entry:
h=6 m=45 s=6
